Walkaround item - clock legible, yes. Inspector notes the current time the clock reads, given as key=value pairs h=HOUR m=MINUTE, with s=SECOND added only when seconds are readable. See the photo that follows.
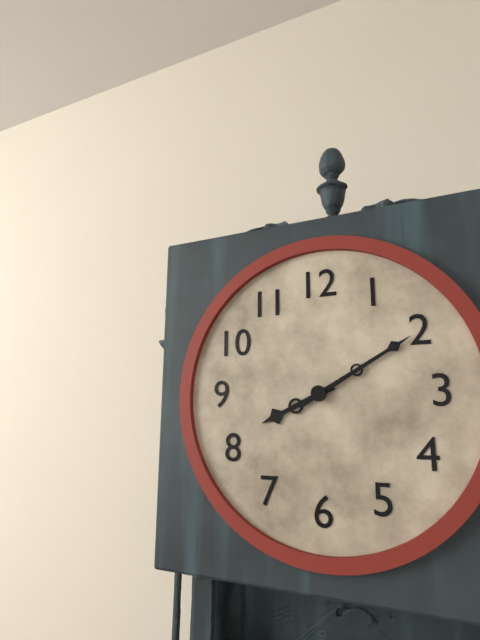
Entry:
h=8 m=10
